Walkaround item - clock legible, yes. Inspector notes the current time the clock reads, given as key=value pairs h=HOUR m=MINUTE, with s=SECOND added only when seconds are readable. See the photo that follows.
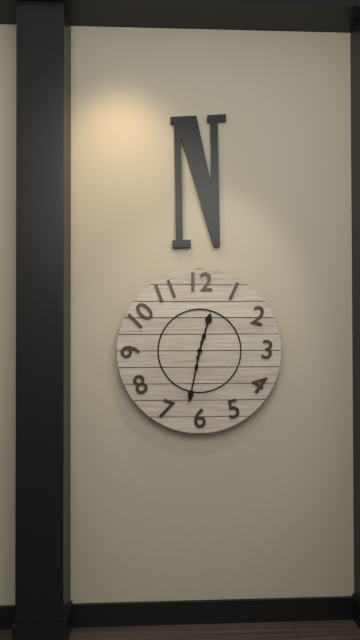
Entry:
h=12 m=32
